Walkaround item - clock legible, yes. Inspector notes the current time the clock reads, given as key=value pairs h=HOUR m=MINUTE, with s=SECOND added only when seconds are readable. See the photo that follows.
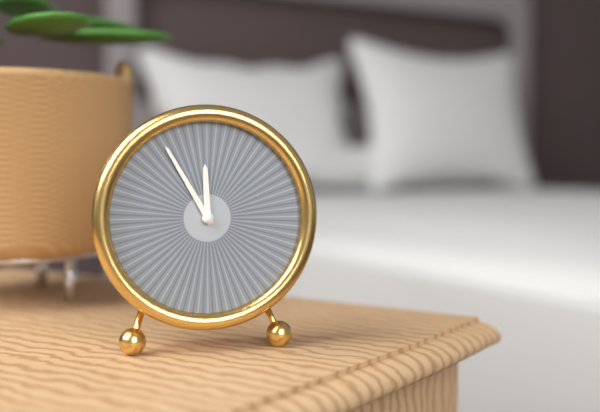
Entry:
h=11 m=55
